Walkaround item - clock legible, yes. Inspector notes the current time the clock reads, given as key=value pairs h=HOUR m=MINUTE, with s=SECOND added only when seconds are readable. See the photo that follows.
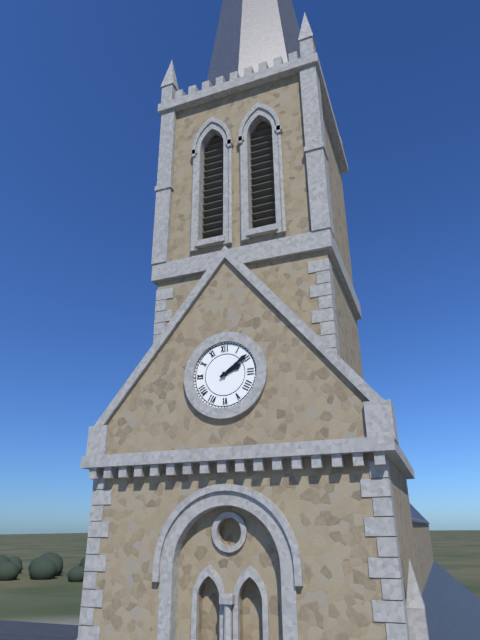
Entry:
h=2 m=9
